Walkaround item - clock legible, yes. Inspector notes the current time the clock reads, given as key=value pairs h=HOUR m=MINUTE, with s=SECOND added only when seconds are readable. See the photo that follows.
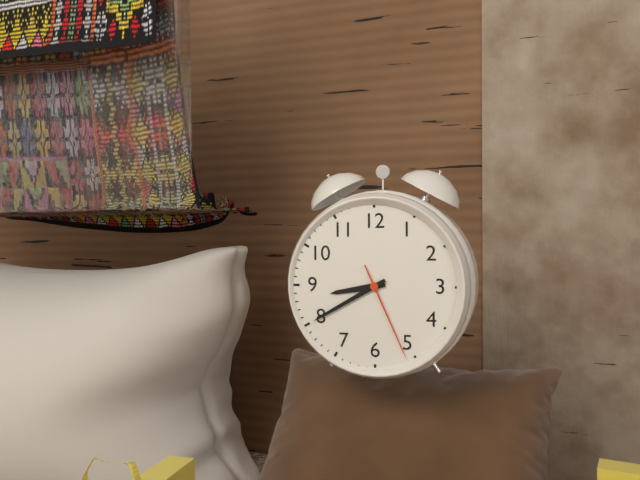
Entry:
h=8 m=40 s=26
